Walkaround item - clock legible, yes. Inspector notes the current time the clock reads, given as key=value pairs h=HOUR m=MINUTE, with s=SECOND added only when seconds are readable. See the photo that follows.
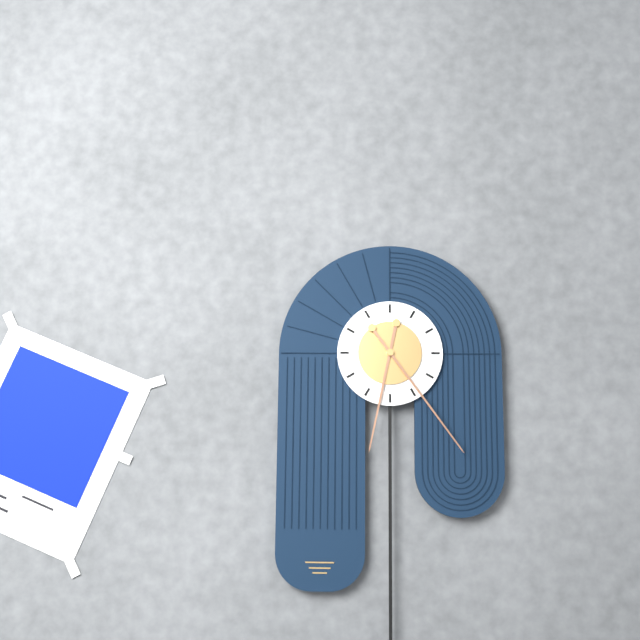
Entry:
h=6 m=24
